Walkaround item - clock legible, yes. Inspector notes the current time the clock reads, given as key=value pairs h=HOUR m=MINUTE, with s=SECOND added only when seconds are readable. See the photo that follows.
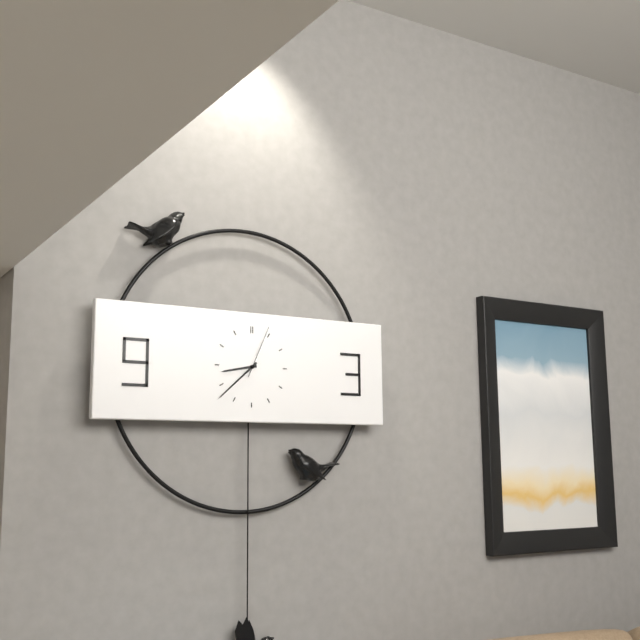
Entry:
h=8 m=38 s=4
